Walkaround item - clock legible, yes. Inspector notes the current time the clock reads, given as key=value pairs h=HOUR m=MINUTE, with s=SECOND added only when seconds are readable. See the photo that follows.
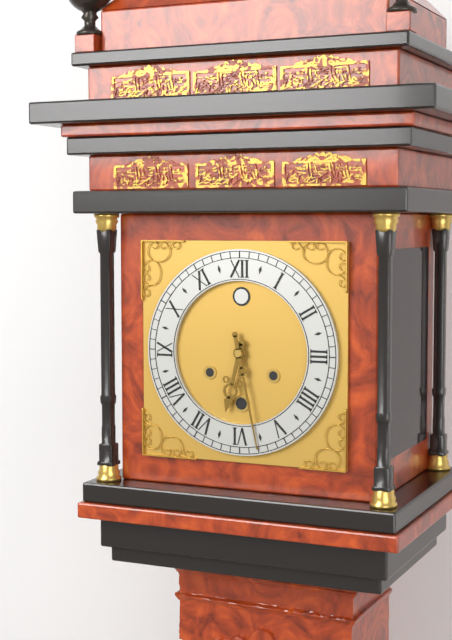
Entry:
h=6 m=28
